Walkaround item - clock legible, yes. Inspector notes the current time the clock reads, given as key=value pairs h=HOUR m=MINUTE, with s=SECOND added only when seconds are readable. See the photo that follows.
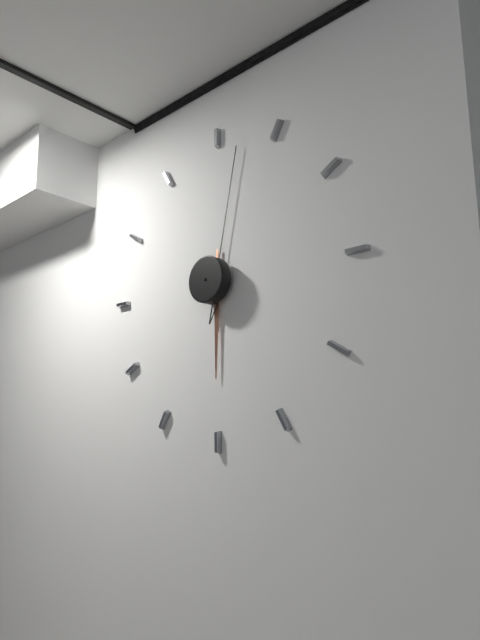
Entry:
h=6 m=2
